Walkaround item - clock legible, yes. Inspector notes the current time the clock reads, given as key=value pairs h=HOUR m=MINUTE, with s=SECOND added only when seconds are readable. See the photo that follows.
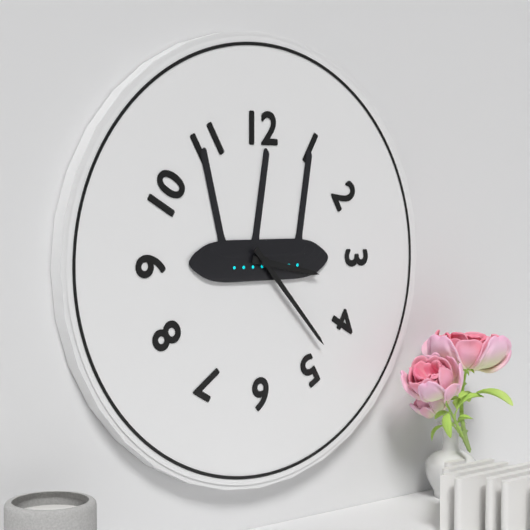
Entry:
h=3 m=23
